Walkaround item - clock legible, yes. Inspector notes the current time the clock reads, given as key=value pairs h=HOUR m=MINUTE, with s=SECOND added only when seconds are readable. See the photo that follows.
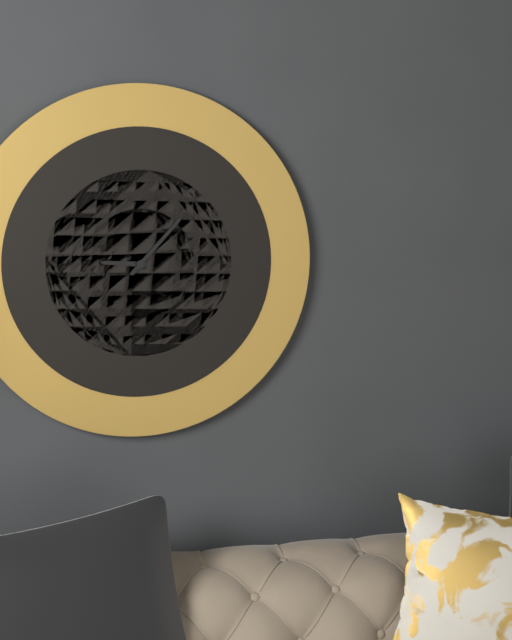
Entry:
h=9 m=7
